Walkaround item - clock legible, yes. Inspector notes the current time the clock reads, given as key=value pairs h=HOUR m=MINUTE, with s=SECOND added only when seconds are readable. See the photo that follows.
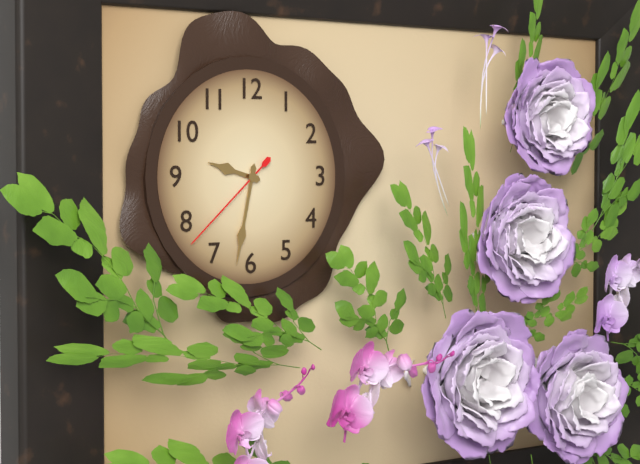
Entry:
h=9 m=32 s=38
